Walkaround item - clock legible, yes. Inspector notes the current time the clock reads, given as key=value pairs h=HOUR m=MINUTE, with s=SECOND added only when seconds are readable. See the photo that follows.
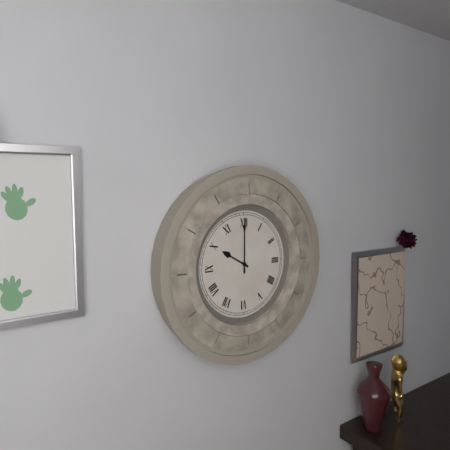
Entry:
h=10 m=0
